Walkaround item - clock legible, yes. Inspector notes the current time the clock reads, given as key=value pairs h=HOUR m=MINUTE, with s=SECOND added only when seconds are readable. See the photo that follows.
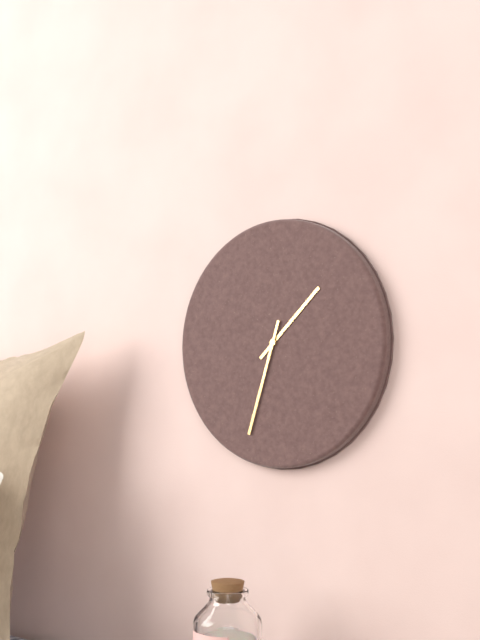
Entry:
h=1 m=33
